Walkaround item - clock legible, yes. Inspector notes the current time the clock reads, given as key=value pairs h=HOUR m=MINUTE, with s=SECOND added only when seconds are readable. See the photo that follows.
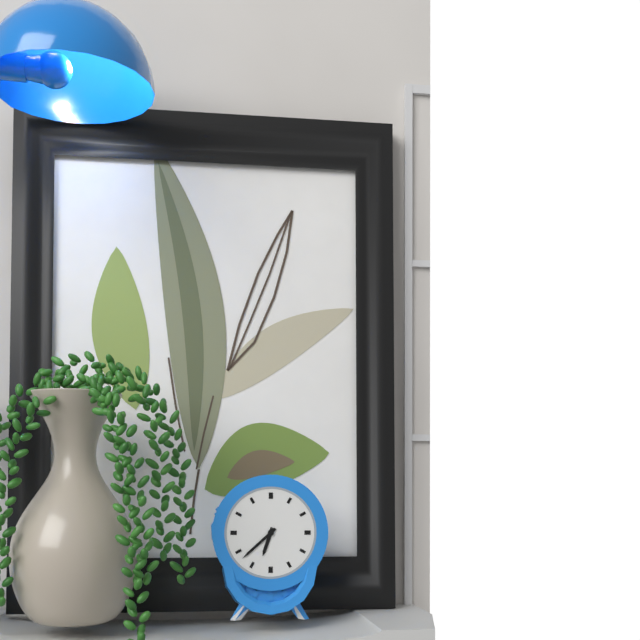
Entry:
h=6 m=38
